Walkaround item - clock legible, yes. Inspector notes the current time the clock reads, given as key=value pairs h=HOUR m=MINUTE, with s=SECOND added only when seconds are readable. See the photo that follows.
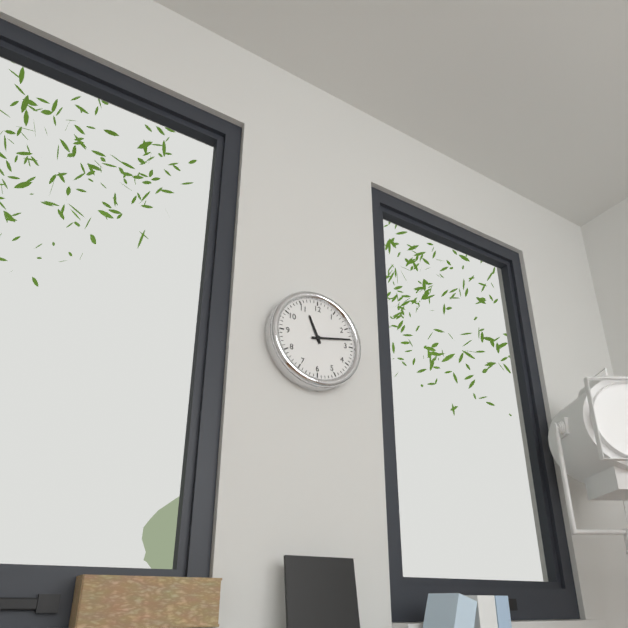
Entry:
h=11 m=13
